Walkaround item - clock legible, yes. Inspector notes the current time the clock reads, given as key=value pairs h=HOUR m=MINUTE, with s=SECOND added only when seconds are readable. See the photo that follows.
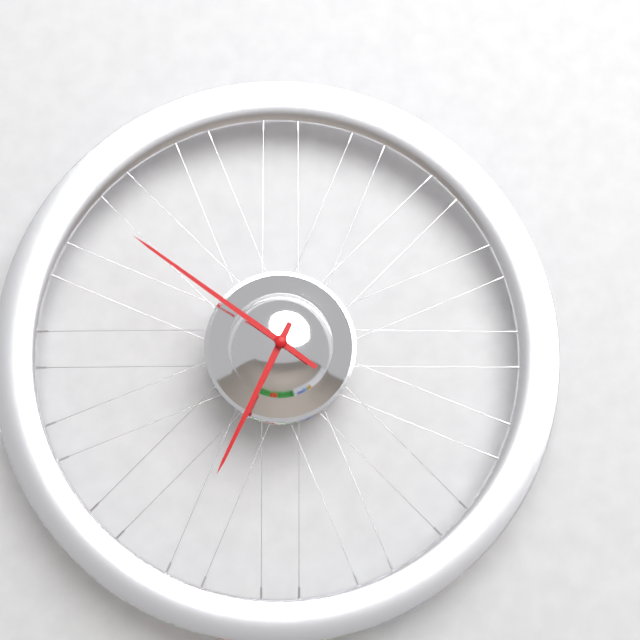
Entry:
h=6 m=51
